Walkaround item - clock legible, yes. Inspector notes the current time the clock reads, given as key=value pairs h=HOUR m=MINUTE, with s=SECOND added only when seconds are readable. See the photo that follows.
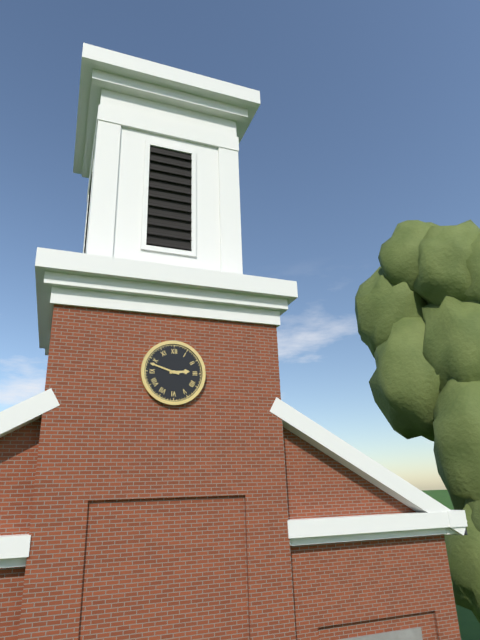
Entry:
h=2 m=48
